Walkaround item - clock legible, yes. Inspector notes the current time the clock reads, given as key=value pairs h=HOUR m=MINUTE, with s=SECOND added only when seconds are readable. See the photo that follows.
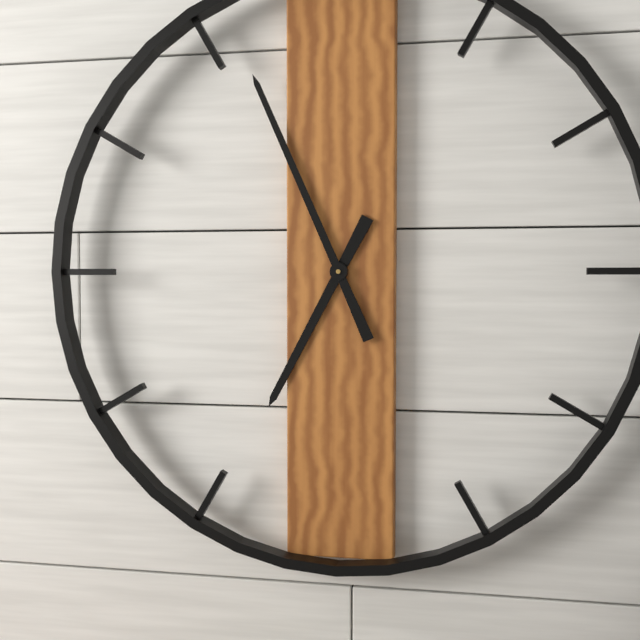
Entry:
h=6 m=56
